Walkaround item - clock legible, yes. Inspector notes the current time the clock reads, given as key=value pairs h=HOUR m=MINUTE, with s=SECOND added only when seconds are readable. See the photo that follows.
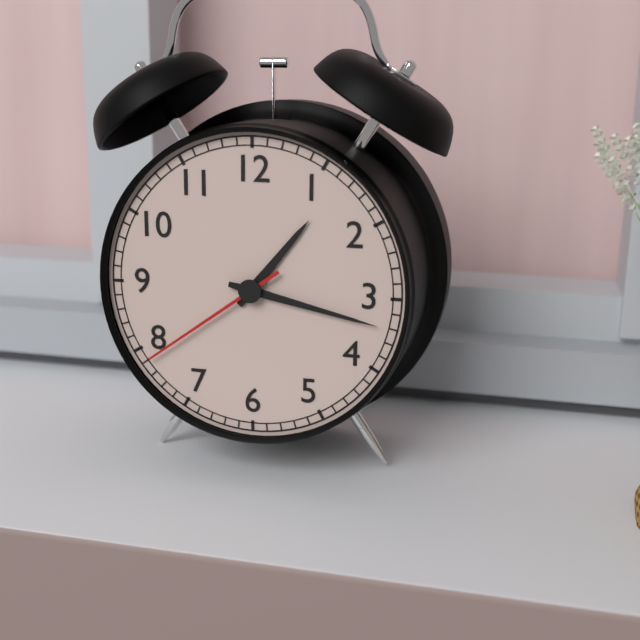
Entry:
h=1 m=17 s=39
